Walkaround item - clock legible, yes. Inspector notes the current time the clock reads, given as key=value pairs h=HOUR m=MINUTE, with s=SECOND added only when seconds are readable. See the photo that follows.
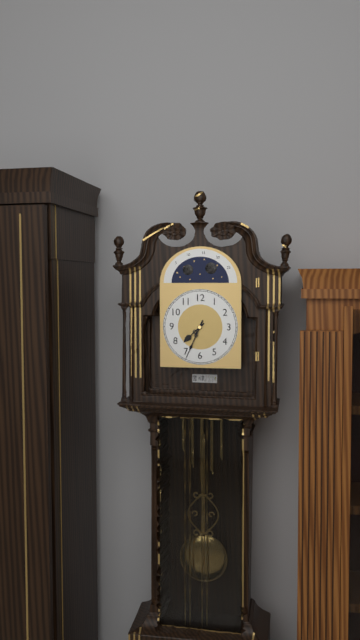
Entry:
h=7 m=34
